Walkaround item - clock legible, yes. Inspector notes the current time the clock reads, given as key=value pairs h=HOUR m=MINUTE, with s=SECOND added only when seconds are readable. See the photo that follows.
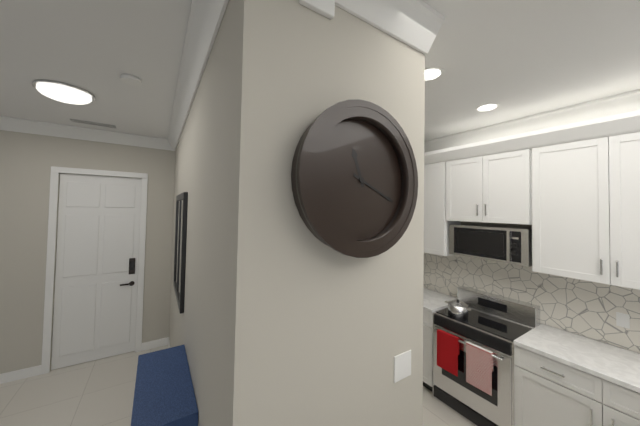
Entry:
h=11 m=19
